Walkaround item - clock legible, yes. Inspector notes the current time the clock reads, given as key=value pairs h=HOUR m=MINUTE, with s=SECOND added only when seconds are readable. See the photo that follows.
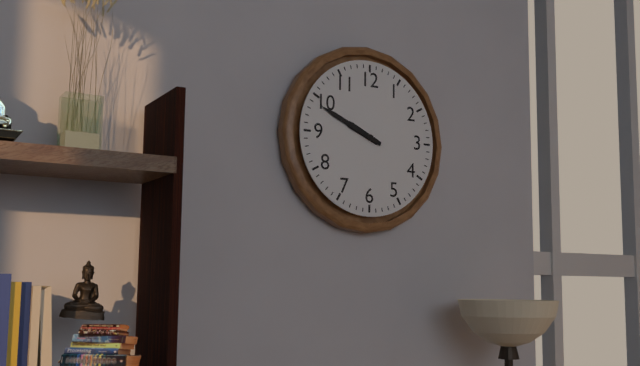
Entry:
h=9 m=49
